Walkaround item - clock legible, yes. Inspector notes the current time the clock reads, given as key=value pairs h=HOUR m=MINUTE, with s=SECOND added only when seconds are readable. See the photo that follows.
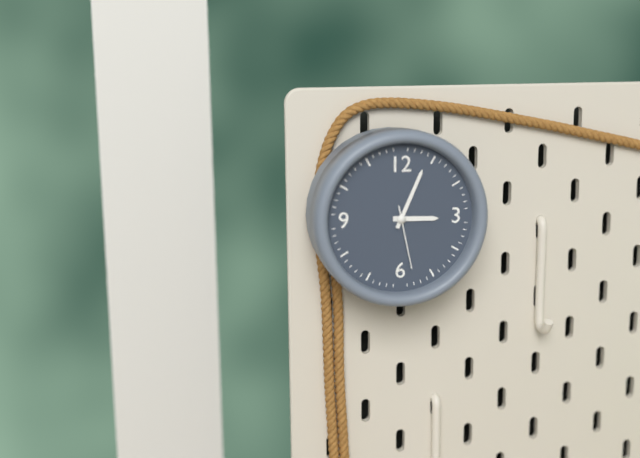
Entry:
h=3 m=4 s=28
